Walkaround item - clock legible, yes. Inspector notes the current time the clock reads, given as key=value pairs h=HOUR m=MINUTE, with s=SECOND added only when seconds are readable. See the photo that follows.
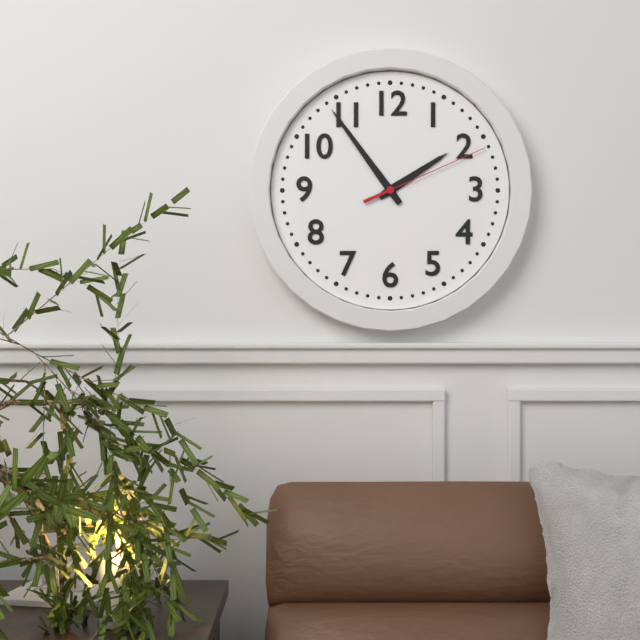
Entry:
h=1 m=54 s=11
